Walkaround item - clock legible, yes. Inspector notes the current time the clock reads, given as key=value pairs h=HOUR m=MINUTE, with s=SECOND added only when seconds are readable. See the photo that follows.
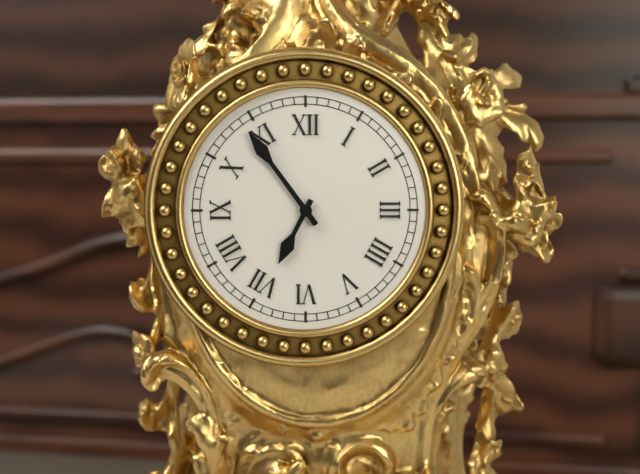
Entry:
h=6 m=54
